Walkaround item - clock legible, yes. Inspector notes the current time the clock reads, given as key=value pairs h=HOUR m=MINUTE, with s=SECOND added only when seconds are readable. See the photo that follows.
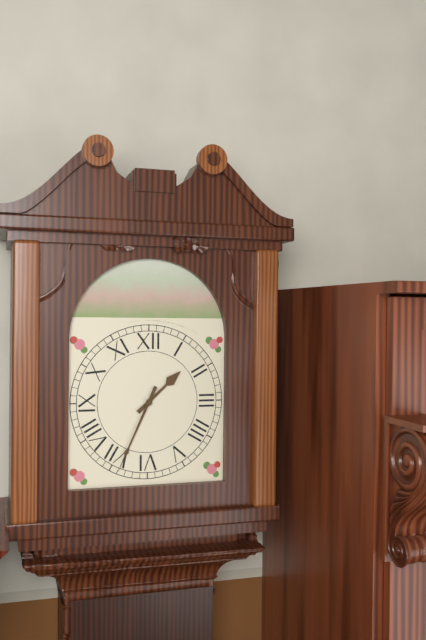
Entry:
h=1 m=34
